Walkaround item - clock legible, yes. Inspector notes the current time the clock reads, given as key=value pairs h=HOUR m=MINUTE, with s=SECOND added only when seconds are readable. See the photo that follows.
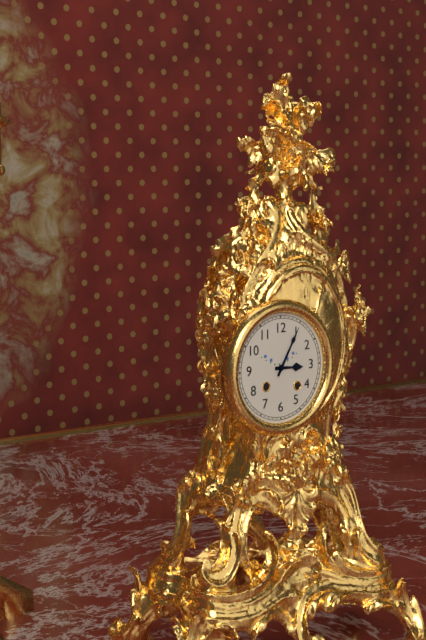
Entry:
h=3 m=5
